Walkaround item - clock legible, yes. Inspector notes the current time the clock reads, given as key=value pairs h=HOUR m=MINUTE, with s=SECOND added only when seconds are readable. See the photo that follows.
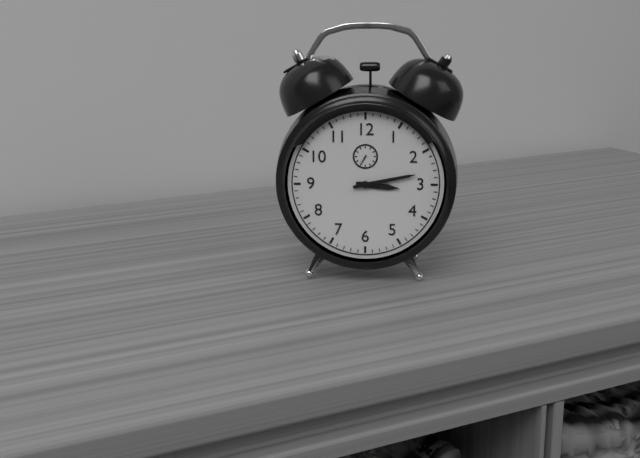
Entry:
h=3 m=13
